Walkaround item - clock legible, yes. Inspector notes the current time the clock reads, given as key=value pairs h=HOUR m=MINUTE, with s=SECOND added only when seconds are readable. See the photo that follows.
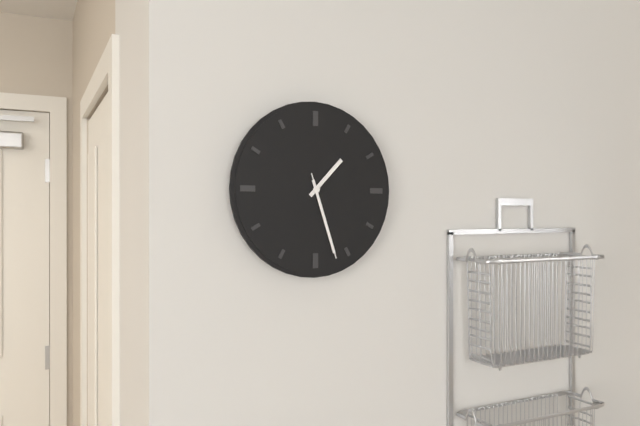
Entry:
h=1 m=27 s=27
